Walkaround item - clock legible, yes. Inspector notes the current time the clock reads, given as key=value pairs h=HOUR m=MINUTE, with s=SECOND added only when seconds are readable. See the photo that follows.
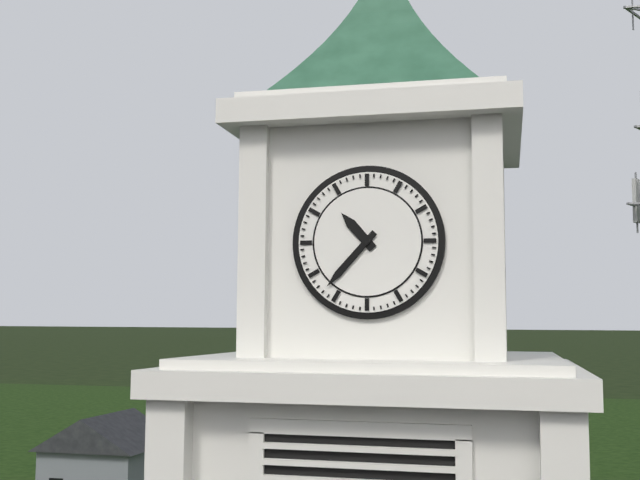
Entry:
h=10 m=37
